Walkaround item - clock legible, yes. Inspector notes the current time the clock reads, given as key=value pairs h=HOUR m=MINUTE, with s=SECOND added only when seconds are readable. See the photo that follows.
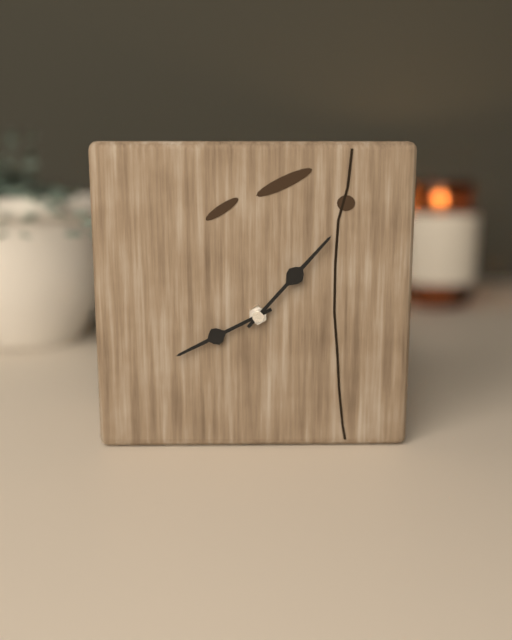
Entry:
h=8 m=7
